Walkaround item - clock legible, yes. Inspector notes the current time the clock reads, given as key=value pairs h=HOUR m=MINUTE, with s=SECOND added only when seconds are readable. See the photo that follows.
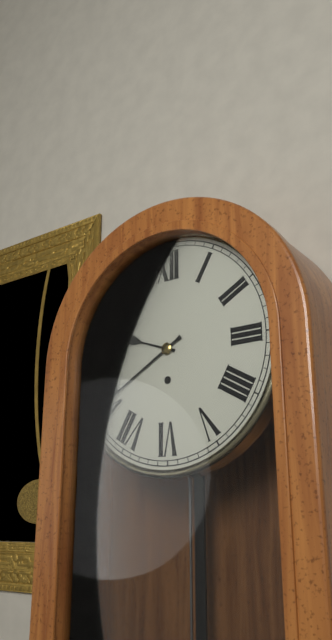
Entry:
h=9 m=40
